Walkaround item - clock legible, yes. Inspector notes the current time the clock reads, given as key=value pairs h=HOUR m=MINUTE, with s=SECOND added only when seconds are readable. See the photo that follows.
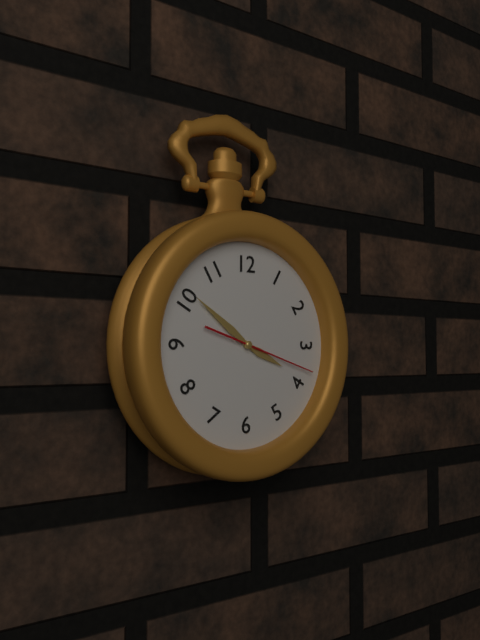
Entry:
h=3 m=51 s=18
